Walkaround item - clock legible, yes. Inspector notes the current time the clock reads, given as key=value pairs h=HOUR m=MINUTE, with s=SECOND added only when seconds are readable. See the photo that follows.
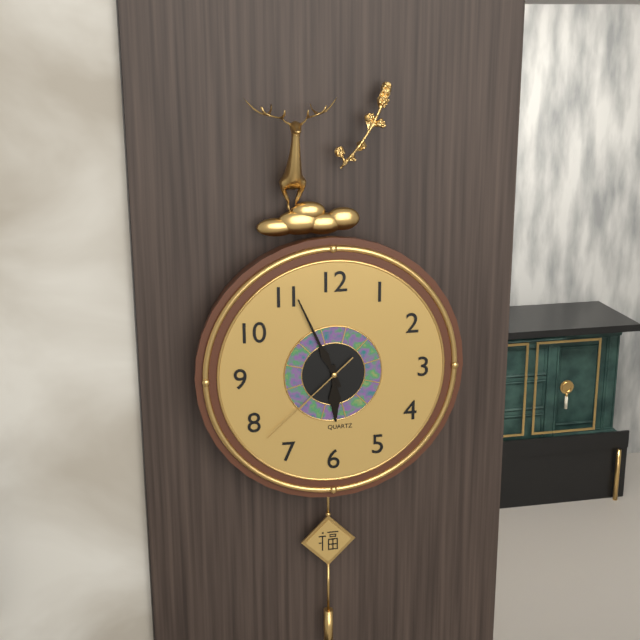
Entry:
h=5 m=56 s=38
